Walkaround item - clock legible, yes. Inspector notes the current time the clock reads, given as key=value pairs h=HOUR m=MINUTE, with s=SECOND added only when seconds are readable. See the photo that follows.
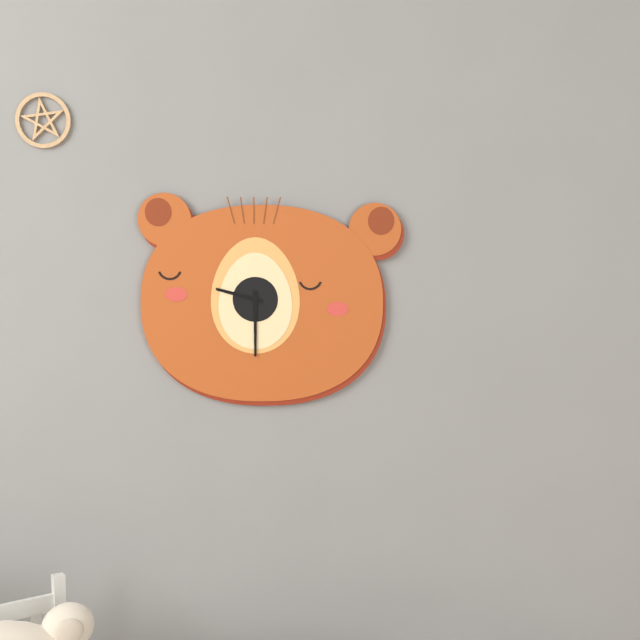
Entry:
h=9 m=30
